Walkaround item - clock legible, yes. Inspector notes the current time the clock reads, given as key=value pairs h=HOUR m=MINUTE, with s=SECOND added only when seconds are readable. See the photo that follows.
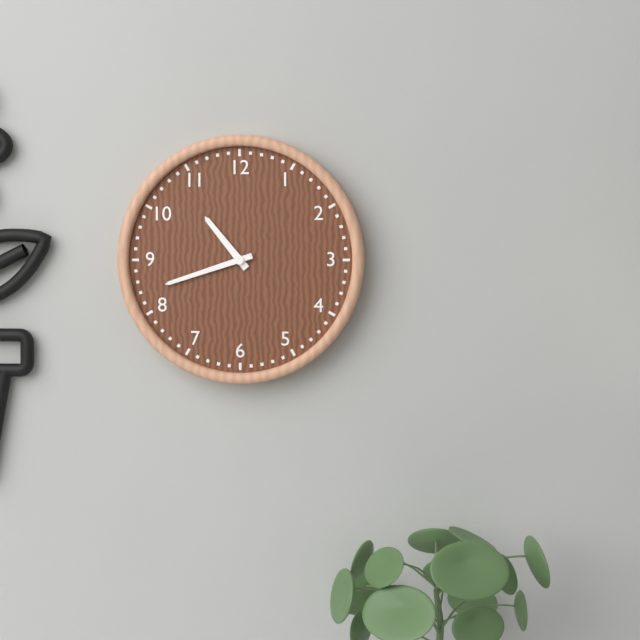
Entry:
h=10 m=42
